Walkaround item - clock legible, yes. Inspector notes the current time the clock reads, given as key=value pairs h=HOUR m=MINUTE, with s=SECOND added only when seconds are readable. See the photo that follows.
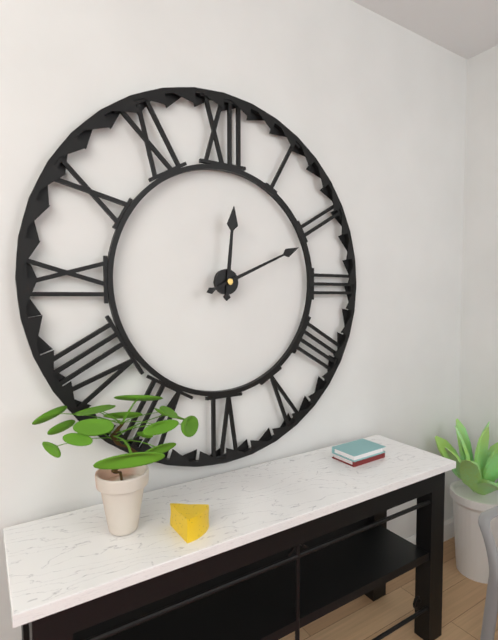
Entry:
h=12 m=11
